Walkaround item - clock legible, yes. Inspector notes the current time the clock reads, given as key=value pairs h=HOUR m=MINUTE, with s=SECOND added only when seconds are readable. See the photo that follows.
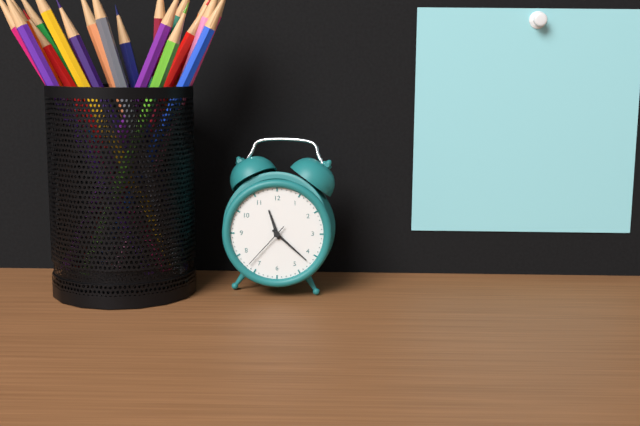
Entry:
h=11 m=22 s=37
